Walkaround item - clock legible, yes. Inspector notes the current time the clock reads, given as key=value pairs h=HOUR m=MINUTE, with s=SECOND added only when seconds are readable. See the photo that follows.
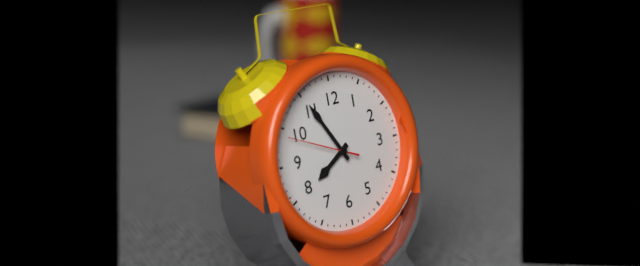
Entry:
h=7 m=55 s=49
